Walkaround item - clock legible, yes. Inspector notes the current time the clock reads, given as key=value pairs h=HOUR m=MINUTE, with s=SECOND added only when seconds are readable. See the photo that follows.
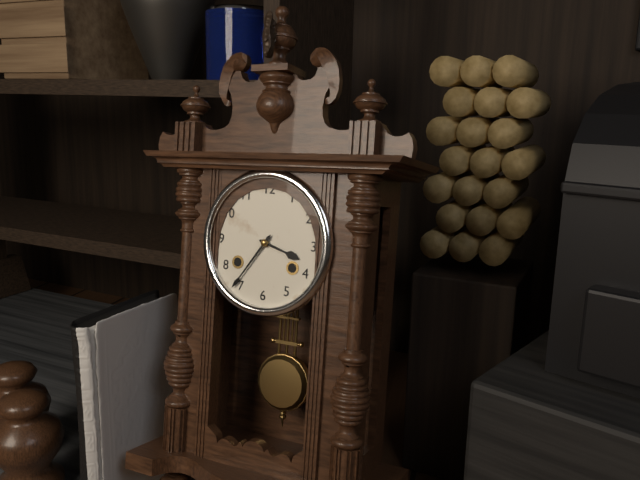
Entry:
h=3 m=36
